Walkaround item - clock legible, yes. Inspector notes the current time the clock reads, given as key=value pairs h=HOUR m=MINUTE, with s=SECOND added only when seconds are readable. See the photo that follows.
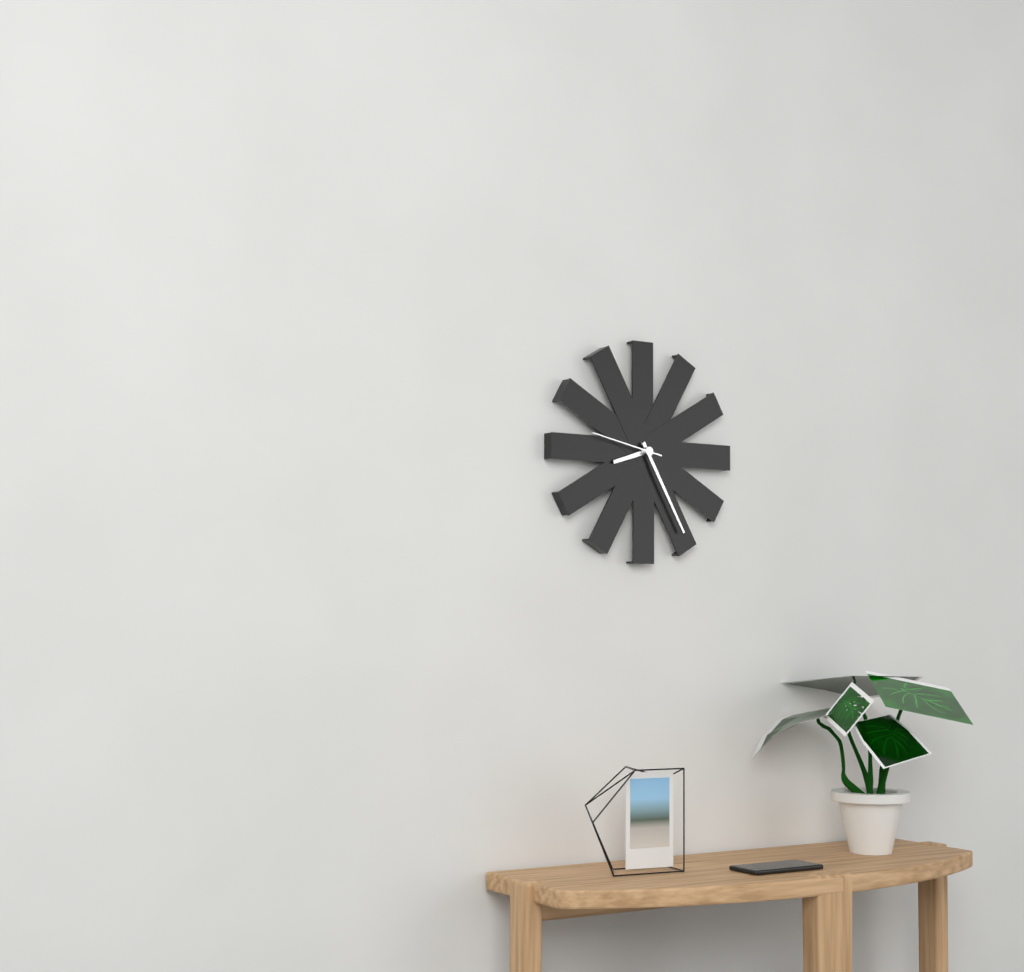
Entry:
h=8 m=25 s=47
